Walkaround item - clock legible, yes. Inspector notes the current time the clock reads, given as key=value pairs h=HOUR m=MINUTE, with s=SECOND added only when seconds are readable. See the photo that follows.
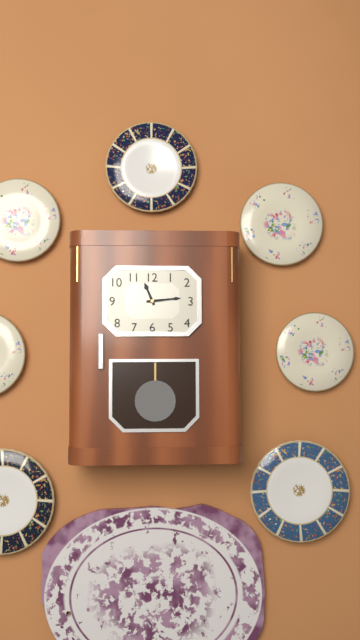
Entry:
h=11 m=14
